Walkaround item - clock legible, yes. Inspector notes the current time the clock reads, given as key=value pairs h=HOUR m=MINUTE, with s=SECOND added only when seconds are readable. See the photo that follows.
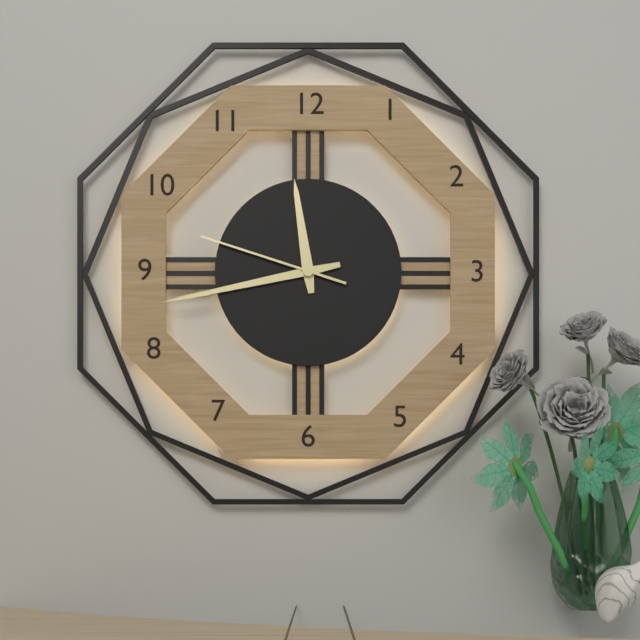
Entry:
h=11 m=43 s=48
